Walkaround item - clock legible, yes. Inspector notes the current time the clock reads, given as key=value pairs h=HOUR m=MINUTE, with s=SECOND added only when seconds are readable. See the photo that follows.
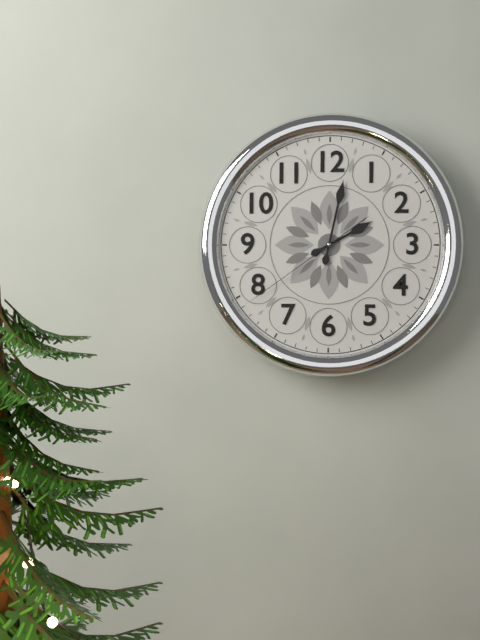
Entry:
h=2 m=2 s=39
